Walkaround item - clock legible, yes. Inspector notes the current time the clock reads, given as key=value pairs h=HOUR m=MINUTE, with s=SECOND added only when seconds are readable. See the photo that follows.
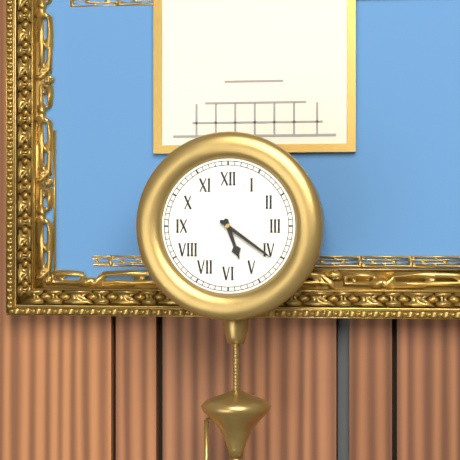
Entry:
h=5 m=21
